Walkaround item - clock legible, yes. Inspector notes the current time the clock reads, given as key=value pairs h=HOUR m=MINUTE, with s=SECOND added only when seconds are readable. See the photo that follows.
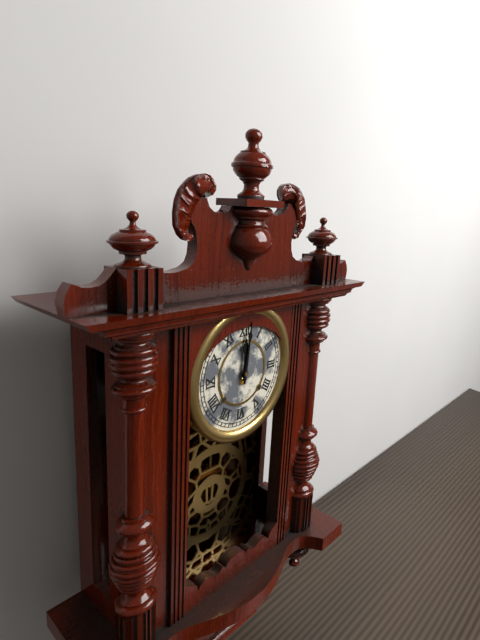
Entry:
h=12 m=1
